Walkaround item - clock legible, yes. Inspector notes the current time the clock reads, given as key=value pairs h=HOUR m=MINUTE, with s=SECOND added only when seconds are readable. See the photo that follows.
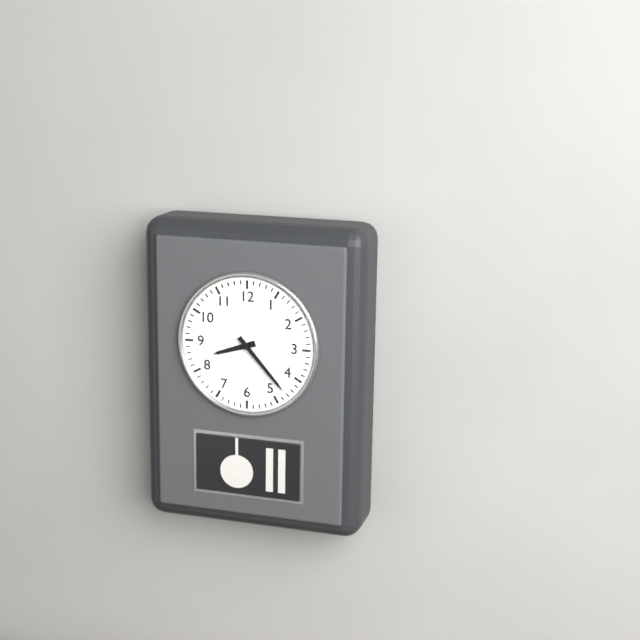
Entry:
h=8 m=23
